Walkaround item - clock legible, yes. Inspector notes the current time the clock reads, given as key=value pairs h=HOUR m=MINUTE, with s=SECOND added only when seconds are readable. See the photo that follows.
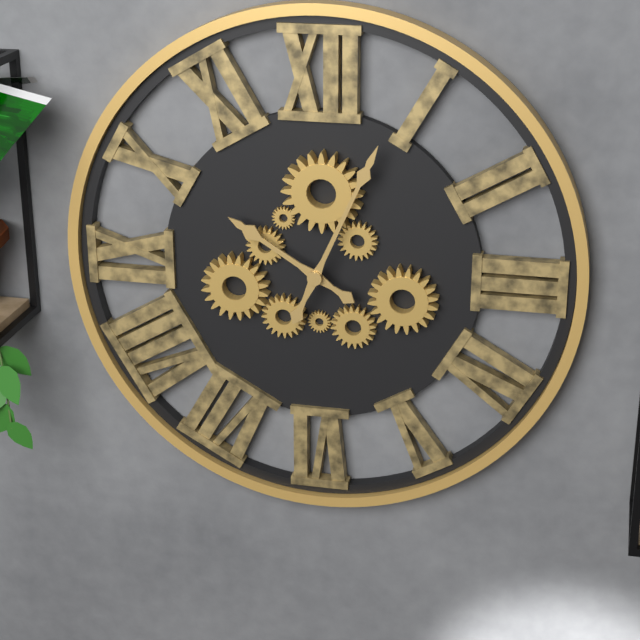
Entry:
h=10 m=4
